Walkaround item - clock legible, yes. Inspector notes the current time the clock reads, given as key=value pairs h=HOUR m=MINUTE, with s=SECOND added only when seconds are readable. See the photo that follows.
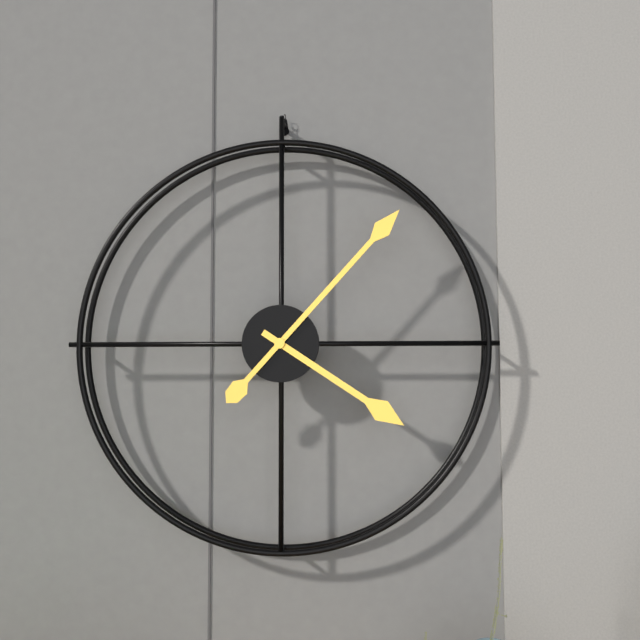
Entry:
h=4 m=7
